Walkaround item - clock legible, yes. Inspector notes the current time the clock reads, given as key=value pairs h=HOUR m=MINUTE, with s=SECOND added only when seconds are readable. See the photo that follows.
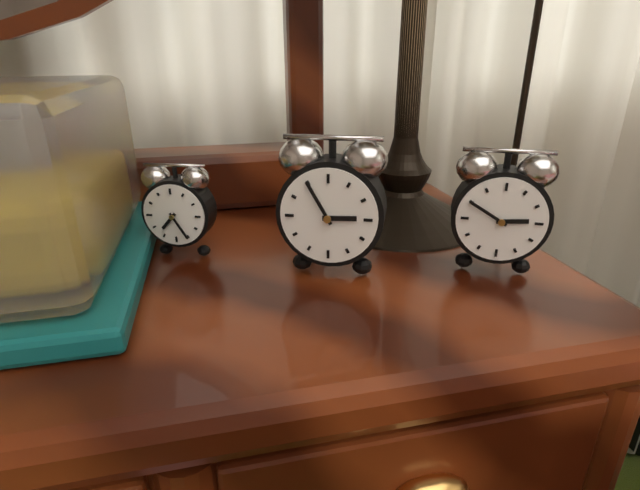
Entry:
h=2 m=55
